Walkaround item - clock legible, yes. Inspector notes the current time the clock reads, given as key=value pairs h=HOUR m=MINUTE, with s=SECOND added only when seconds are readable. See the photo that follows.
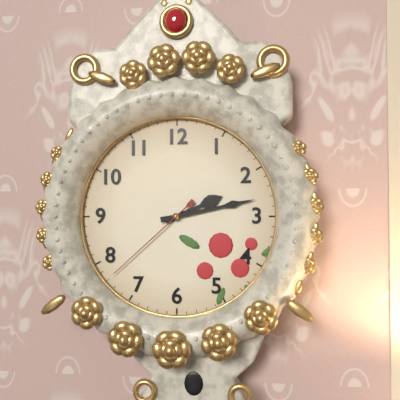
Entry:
h=2 m=13 s=38
